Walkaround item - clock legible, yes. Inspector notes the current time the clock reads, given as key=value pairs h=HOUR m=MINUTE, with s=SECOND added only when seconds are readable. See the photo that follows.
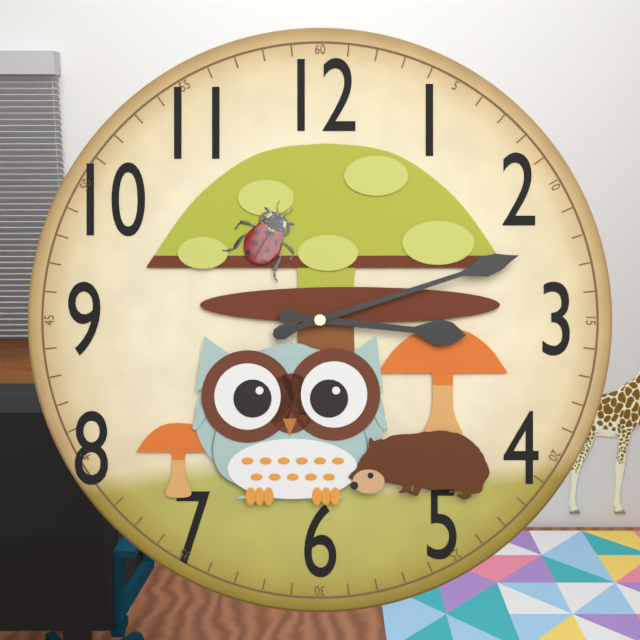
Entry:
h=3 m=12
